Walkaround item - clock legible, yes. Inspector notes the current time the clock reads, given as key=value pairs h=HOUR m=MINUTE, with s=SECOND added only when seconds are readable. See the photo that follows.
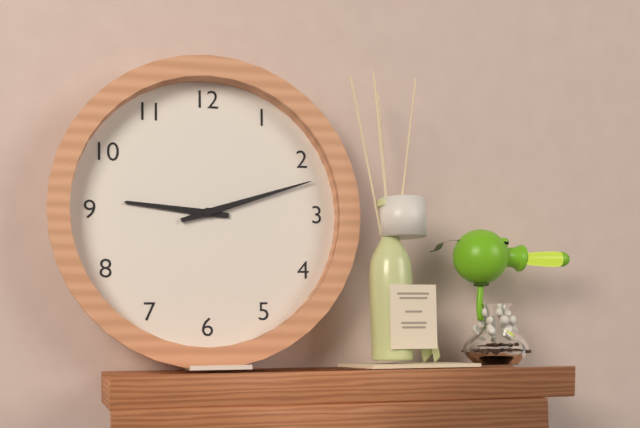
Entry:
h=9 m=12
